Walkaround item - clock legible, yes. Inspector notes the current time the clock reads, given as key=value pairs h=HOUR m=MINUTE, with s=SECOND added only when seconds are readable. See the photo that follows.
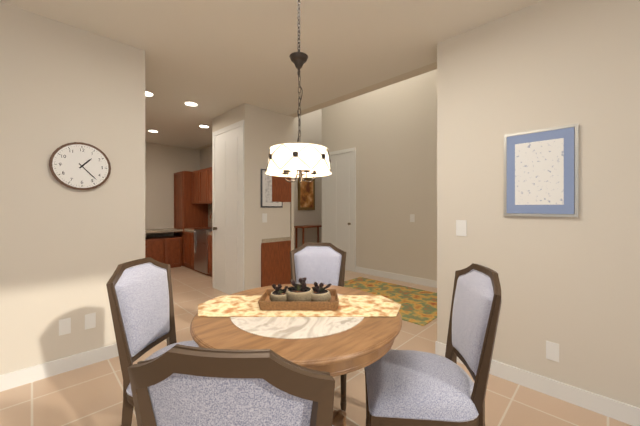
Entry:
h=1 m=23
